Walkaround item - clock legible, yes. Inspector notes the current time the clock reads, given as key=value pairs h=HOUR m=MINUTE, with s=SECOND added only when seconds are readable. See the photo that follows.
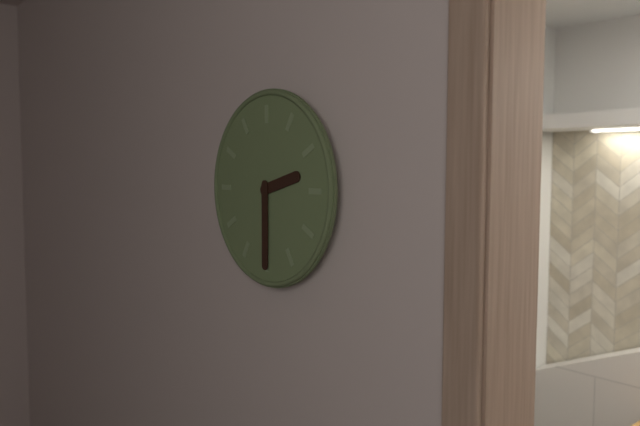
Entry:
h=2 m=30
